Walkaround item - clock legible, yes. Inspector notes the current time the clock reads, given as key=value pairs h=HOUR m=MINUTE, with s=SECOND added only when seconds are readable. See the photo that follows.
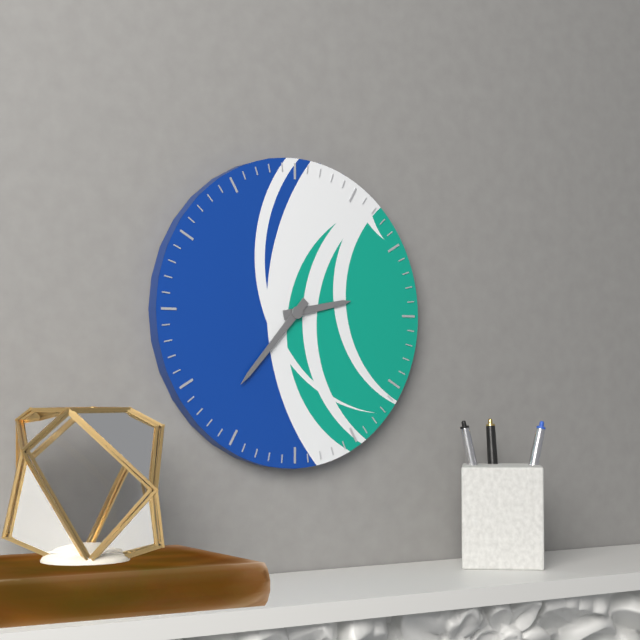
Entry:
h=2 m=37
